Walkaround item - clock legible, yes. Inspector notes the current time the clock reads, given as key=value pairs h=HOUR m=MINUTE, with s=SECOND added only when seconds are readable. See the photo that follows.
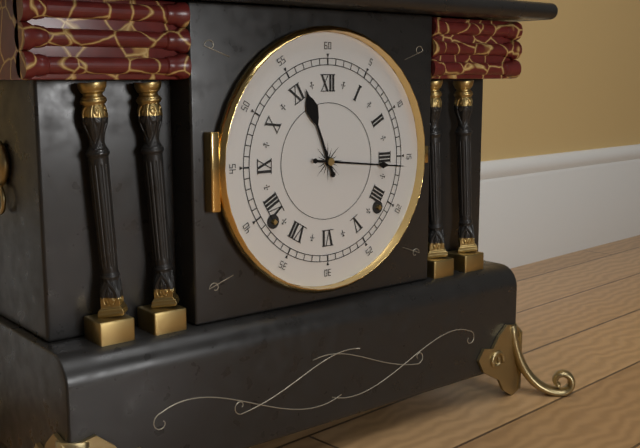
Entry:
h=11 m=16
